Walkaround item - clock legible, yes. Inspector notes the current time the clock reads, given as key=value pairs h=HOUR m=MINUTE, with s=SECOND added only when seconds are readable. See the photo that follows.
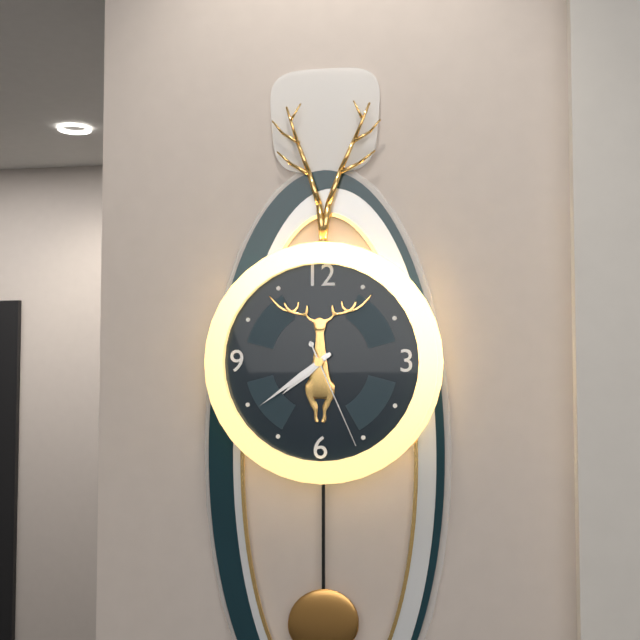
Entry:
h=7 m=39 s=26
